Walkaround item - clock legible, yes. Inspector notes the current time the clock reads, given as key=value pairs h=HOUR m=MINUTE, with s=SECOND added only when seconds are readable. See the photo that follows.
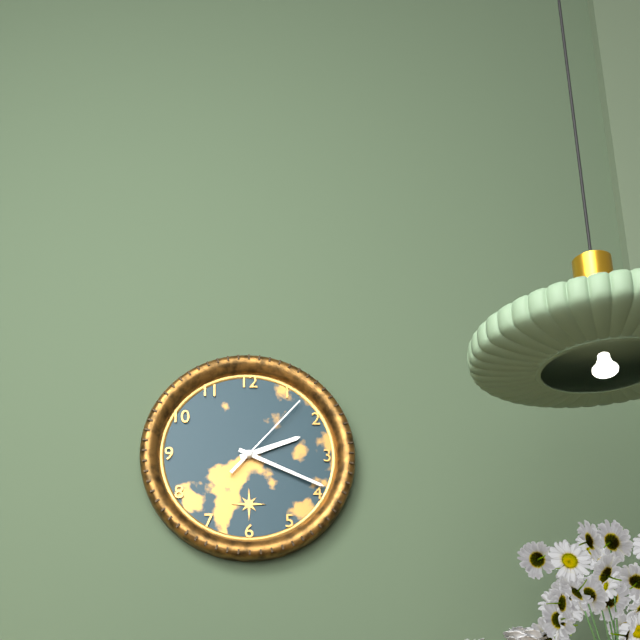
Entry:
h=2 m=19 s=7
